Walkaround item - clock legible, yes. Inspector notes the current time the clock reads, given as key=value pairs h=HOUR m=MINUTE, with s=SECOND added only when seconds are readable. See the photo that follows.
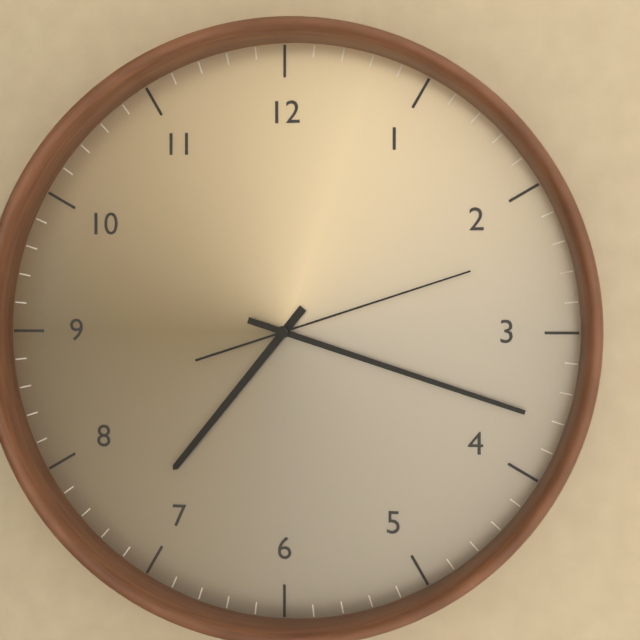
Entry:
h=7 m=18 s=12
